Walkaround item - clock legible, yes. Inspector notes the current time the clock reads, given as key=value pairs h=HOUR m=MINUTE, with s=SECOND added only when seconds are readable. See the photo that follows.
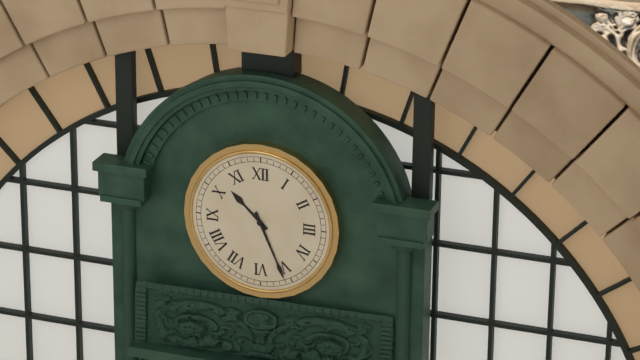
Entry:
h=10 m=26
